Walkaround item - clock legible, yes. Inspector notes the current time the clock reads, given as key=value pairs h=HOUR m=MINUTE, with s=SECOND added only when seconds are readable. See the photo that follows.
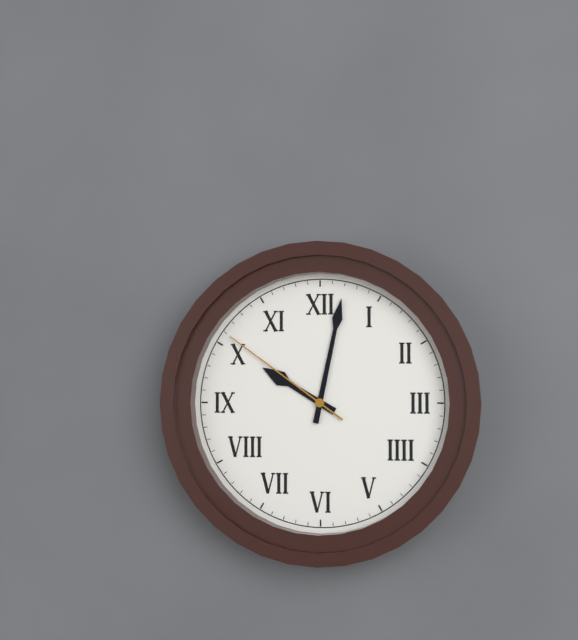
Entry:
h=10 m=2 s=51
